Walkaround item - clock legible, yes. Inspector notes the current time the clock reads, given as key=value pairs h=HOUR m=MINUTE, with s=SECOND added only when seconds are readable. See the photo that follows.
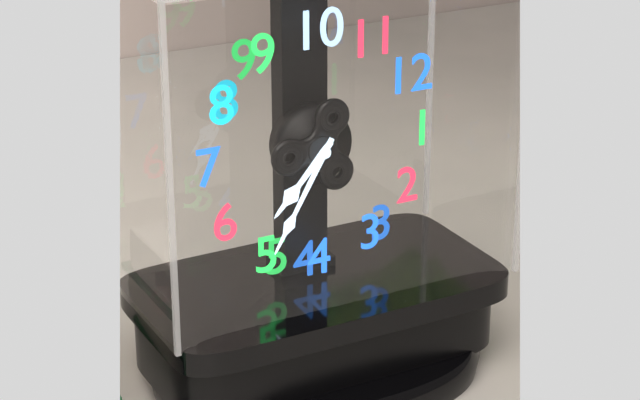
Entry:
h=5 m=25
